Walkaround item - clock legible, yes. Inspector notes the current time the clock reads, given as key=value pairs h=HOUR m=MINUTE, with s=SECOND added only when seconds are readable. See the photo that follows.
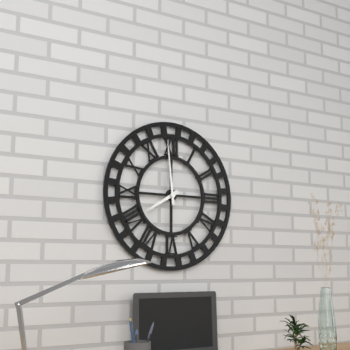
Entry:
h=7 m=59
